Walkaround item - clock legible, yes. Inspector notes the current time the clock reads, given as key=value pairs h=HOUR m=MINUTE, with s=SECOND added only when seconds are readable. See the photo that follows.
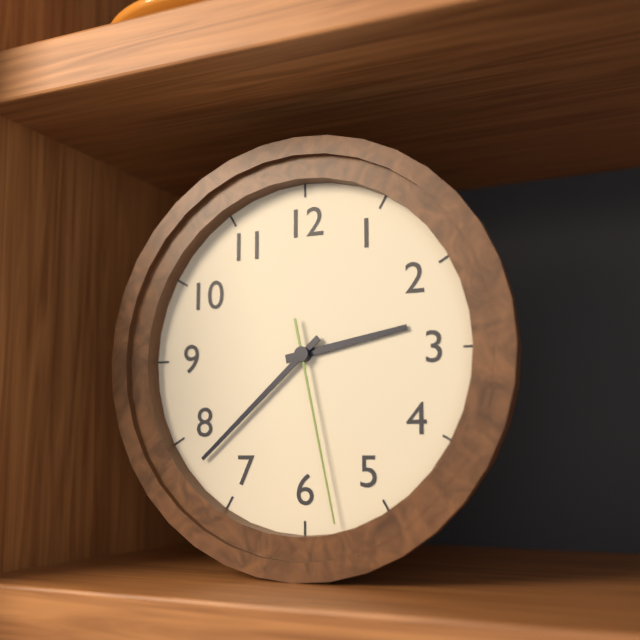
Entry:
h=2 m=38 s=28
